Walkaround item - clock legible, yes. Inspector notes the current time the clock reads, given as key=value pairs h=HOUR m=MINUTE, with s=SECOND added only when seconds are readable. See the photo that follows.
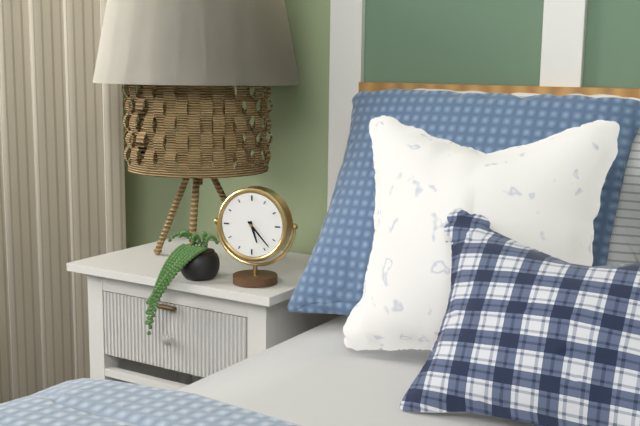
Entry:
h=5 m=23
